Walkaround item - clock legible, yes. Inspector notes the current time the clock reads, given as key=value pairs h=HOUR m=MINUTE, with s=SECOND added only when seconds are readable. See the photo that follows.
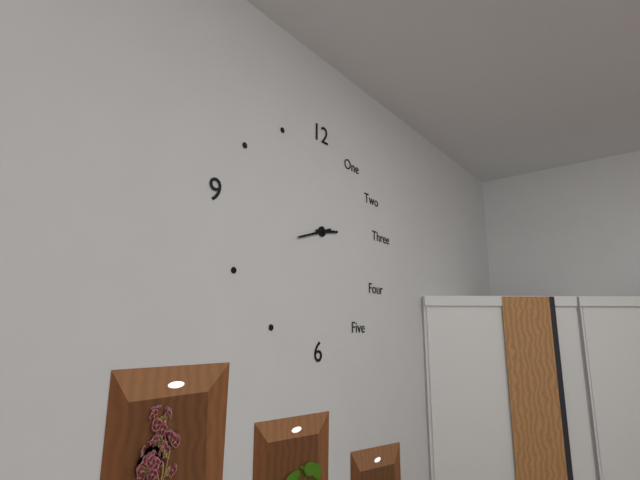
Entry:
h=2 m=42
